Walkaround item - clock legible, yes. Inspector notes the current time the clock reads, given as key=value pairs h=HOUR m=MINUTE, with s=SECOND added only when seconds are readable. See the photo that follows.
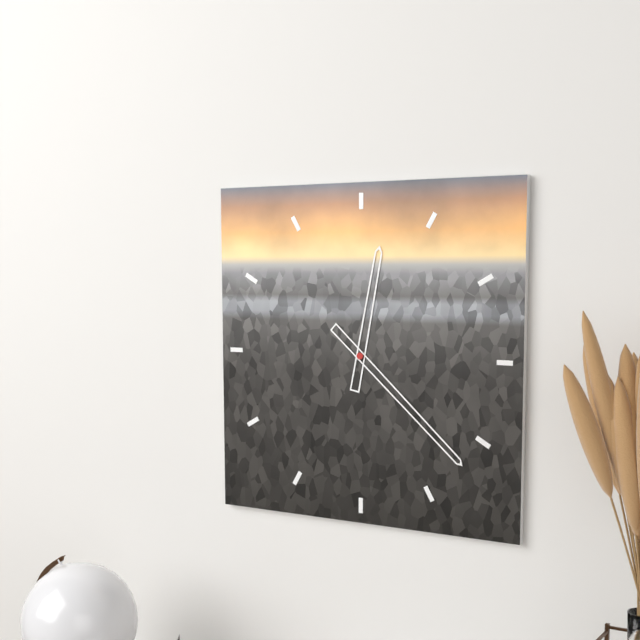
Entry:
h=12 m=22
